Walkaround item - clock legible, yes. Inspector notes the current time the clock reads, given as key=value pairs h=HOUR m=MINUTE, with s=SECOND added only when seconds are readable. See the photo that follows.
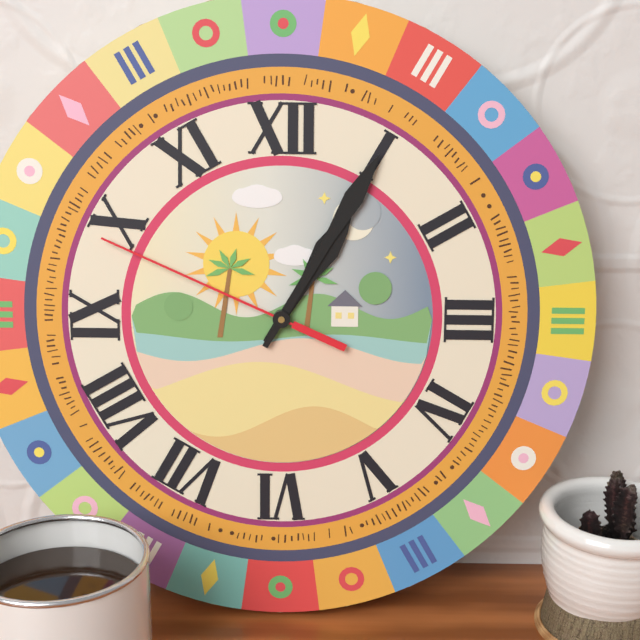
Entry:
h=1 m=5 s=49
